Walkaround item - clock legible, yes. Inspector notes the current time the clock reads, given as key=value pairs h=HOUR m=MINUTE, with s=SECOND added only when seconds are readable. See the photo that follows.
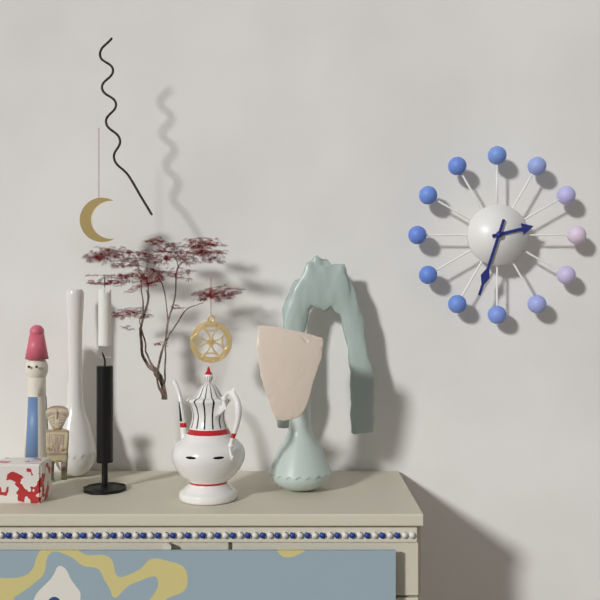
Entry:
h=2 m=33
